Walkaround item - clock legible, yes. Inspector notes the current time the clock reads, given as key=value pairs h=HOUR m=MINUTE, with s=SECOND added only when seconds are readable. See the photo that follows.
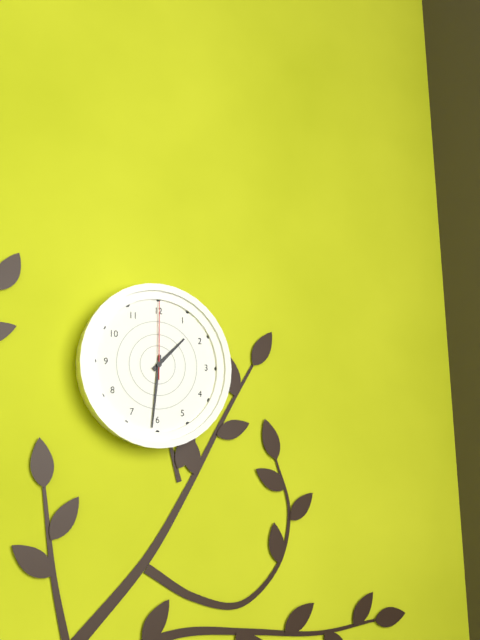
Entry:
h=1 m=31 s=0
